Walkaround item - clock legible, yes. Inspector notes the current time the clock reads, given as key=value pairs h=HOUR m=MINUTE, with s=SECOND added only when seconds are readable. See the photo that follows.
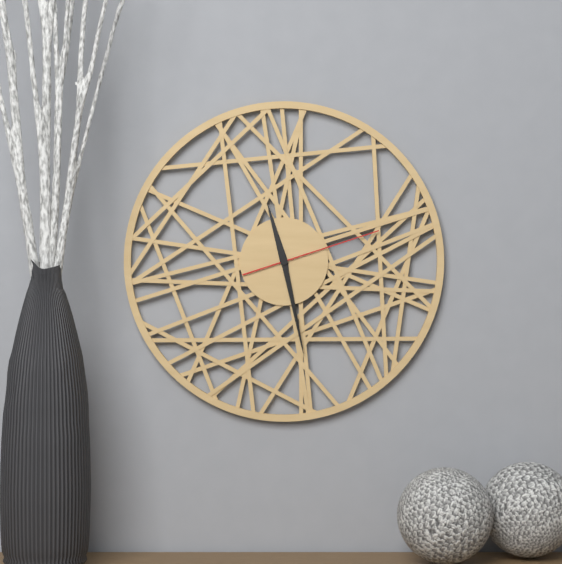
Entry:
h=11 m=28 s=12
